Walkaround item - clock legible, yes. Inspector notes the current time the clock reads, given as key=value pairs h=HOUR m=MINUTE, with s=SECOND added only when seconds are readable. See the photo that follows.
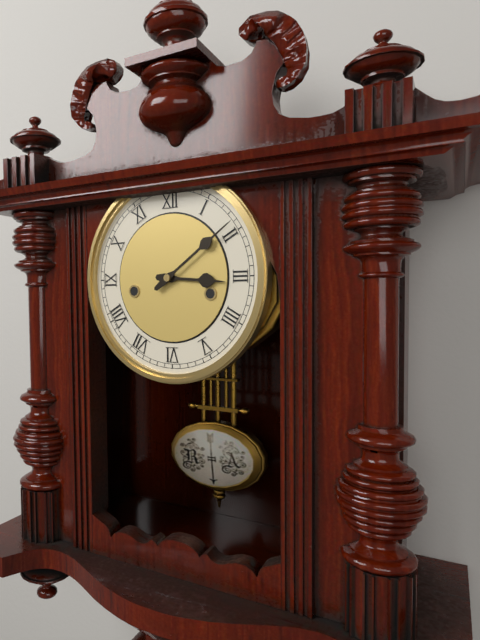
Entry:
h=3 m=9
